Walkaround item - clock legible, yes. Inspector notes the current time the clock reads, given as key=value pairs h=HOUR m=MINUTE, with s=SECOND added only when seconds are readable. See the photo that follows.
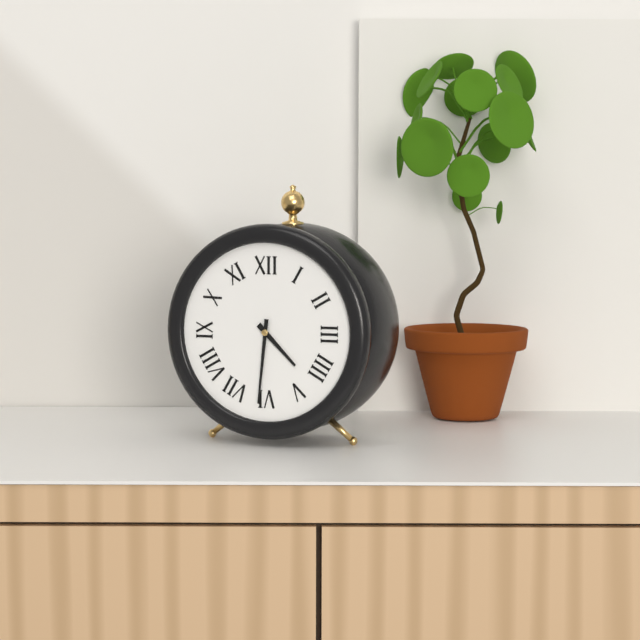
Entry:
h=4 m=31
